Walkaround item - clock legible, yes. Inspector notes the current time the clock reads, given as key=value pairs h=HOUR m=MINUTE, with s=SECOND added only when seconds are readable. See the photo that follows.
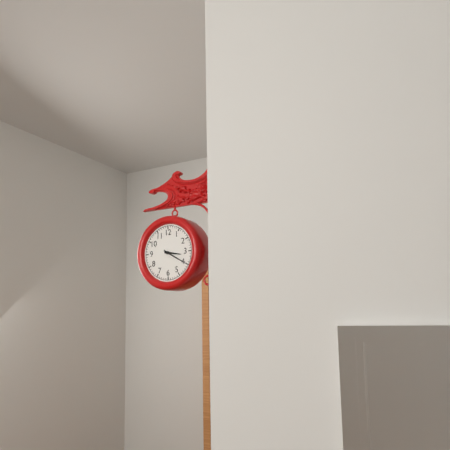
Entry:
h=3 m=20
